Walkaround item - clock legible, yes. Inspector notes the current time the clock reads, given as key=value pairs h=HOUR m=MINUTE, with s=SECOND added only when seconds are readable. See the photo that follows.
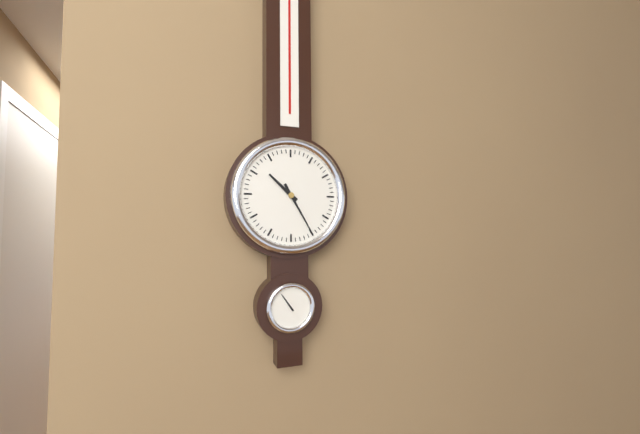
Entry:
h=10 m=25
